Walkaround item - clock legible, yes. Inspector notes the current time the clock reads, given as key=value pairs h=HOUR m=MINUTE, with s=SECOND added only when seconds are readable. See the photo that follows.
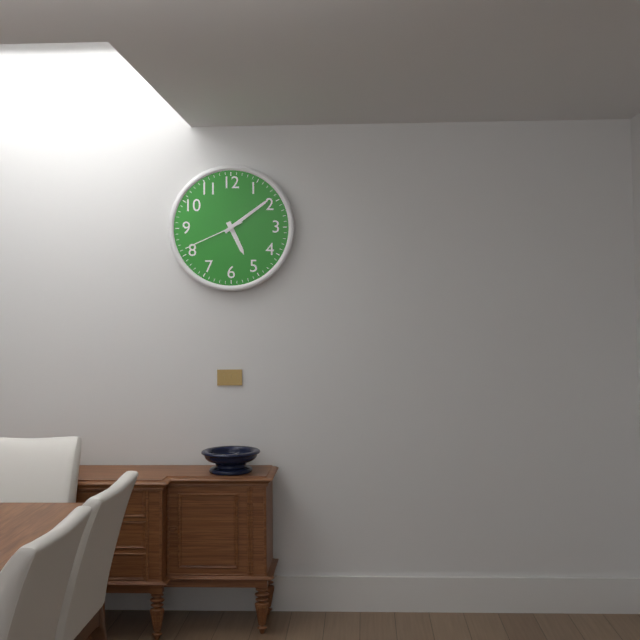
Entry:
h=5 m=9 s=41
